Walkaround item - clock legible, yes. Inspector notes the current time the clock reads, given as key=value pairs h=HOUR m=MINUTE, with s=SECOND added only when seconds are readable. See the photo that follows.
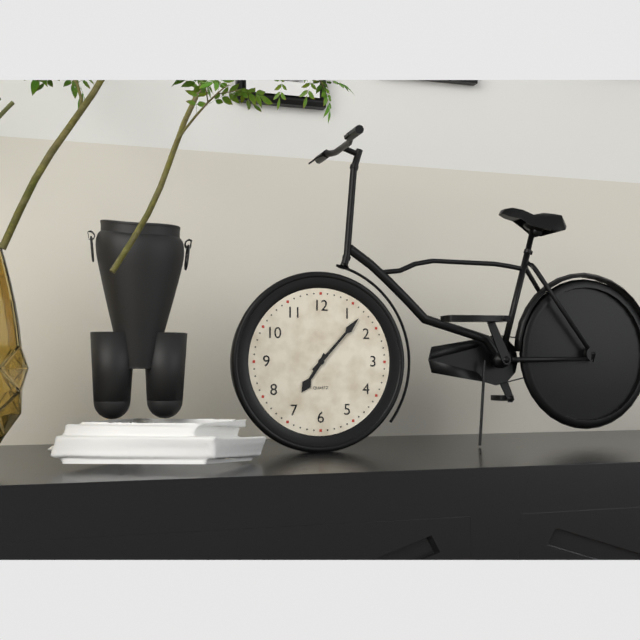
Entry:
h=7 m=7
